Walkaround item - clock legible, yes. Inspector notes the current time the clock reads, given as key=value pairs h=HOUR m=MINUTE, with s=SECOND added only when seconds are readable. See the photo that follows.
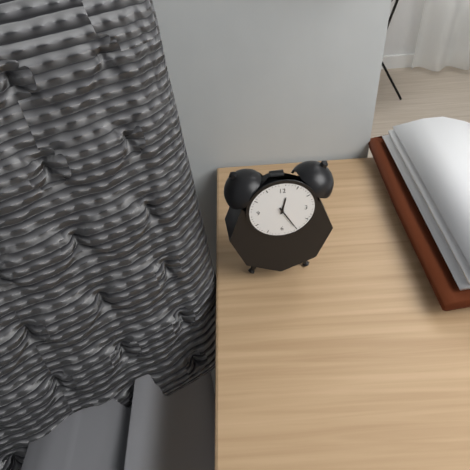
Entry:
h=12 m=25
